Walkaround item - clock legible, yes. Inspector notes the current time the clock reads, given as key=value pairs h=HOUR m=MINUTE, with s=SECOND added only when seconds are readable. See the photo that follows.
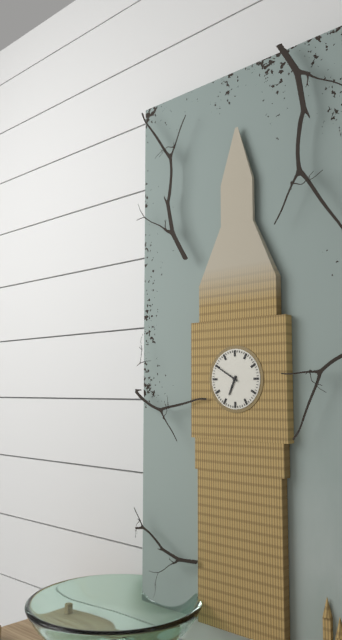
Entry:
h=6 m=50
